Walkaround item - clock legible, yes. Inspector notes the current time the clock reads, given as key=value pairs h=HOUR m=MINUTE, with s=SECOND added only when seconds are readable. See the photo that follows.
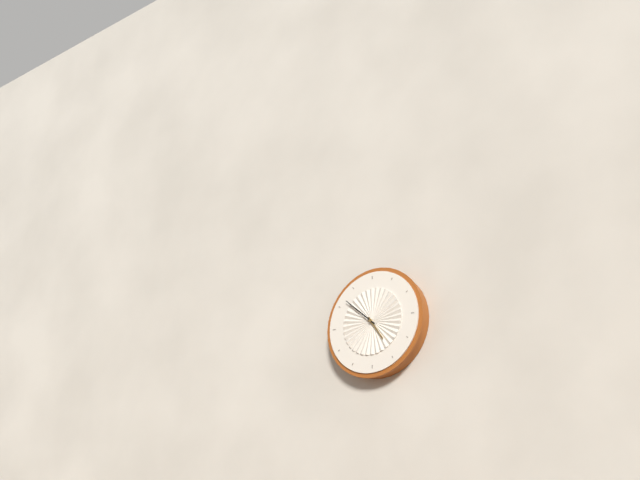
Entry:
h=4 m=52
